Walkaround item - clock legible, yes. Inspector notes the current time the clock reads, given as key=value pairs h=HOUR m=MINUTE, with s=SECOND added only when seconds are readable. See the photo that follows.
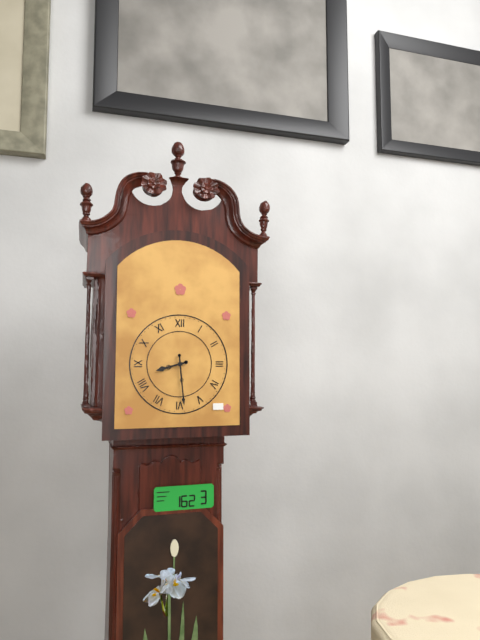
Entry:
h=8 m=29
